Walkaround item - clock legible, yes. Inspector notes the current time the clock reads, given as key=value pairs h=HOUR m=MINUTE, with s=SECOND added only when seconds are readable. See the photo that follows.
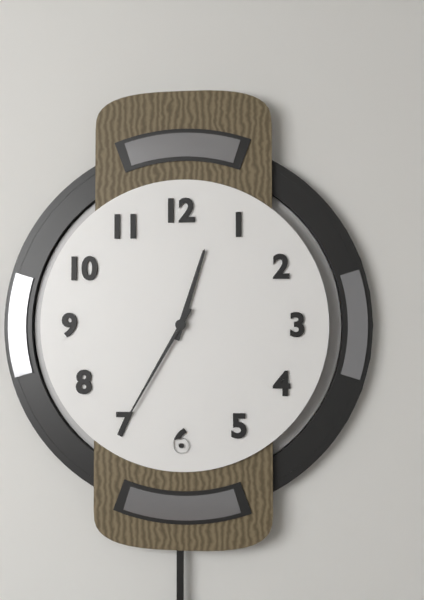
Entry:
h=12 m=35
